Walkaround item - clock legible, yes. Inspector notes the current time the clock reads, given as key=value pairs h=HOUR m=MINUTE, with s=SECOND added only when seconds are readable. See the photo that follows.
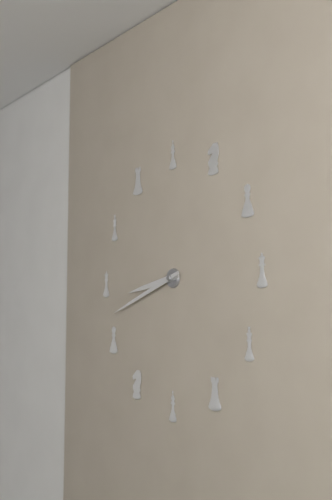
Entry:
h=8 m=42
